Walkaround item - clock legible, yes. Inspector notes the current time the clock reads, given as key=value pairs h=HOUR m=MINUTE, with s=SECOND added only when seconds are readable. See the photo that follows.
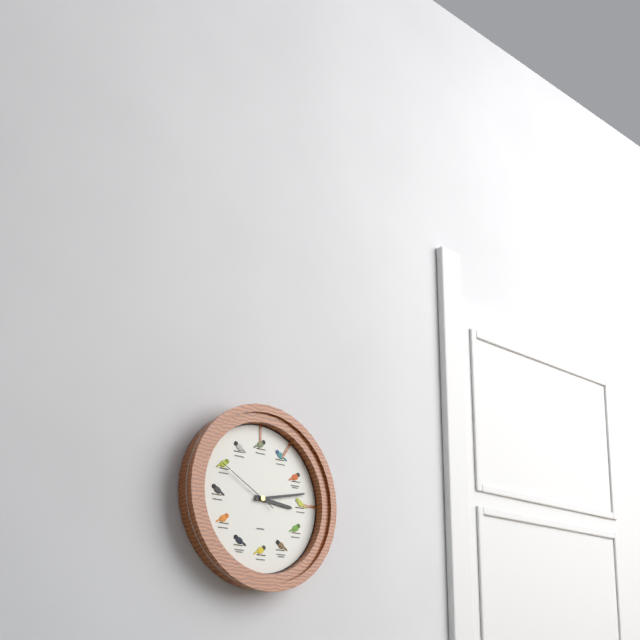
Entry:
h=3 m=13 s=50
